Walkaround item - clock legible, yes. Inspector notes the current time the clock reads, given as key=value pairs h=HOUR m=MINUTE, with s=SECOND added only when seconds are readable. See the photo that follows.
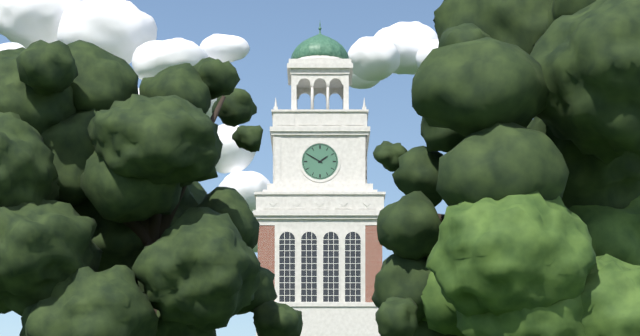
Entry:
h=1 m=50
